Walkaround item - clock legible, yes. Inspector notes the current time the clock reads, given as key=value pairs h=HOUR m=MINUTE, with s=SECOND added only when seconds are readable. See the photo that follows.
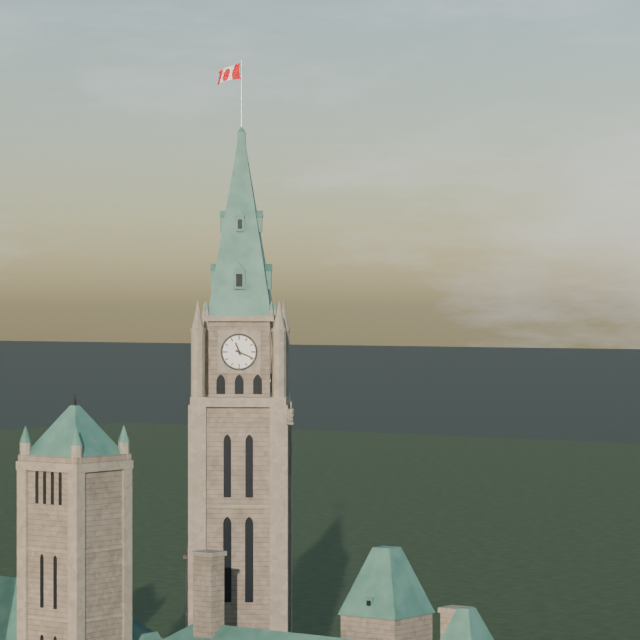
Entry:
h=11 m=19
